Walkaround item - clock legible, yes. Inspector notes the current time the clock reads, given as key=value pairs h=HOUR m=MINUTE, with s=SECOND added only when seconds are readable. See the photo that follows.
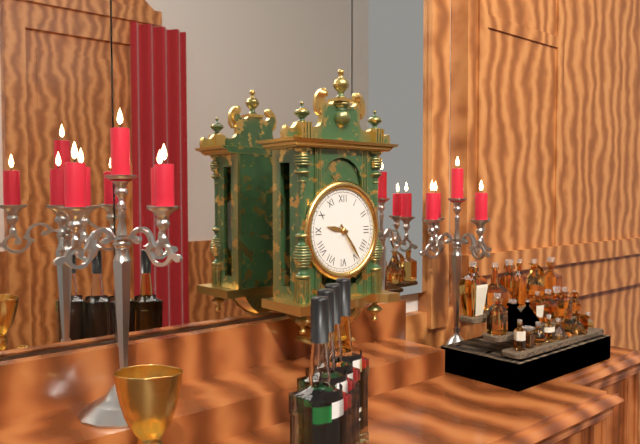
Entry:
h=9 m=24
